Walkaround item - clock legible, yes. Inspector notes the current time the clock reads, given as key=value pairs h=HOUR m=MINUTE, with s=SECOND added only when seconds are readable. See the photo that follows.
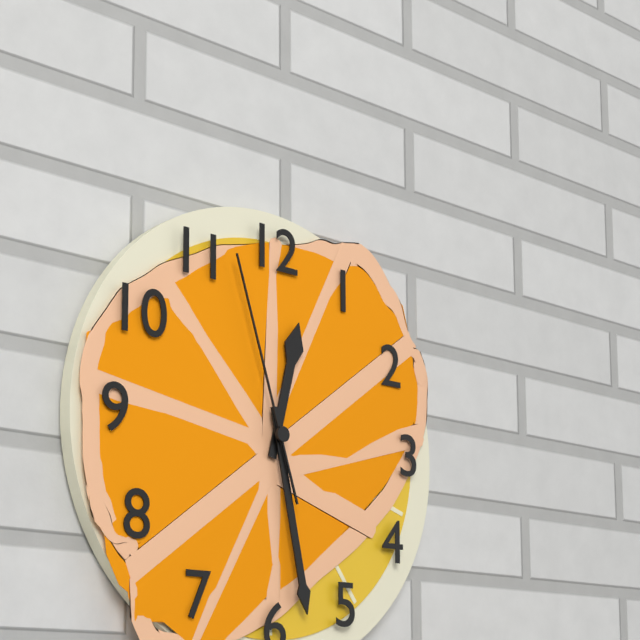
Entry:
h=12 m=28 s=57
